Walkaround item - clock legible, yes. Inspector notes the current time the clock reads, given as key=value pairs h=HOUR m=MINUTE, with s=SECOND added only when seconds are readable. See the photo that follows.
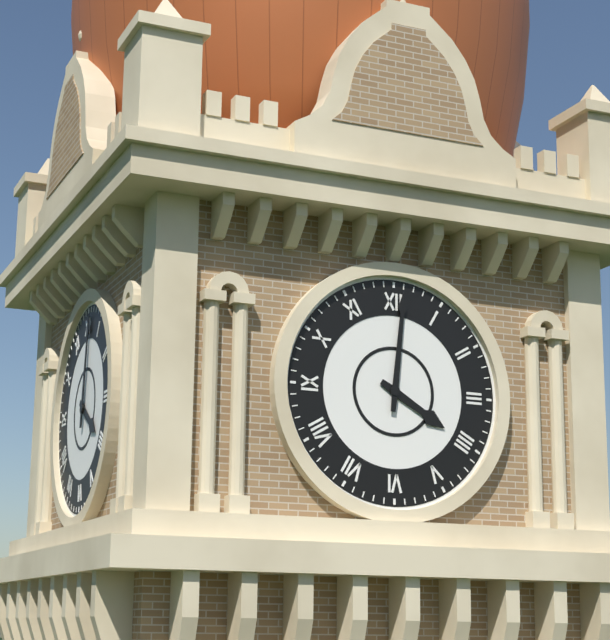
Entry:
h=4 m=1
